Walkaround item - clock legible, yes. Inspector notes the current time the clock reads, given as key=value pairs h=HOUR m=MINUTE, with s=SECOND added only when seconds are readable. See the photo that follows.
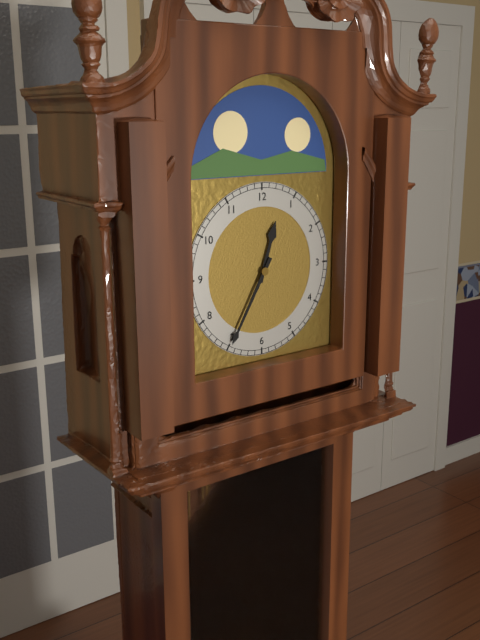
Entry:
h=12 m=35
